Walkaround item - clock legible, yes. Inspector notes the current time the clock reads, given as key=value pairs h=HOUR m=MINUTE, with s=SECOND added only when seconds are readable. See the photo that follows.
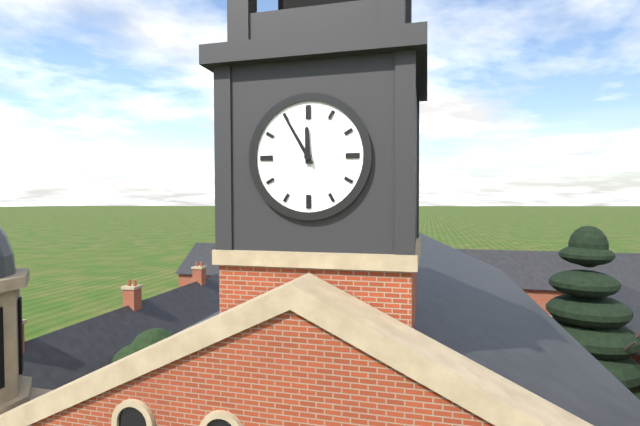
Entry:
h=11 m=55
